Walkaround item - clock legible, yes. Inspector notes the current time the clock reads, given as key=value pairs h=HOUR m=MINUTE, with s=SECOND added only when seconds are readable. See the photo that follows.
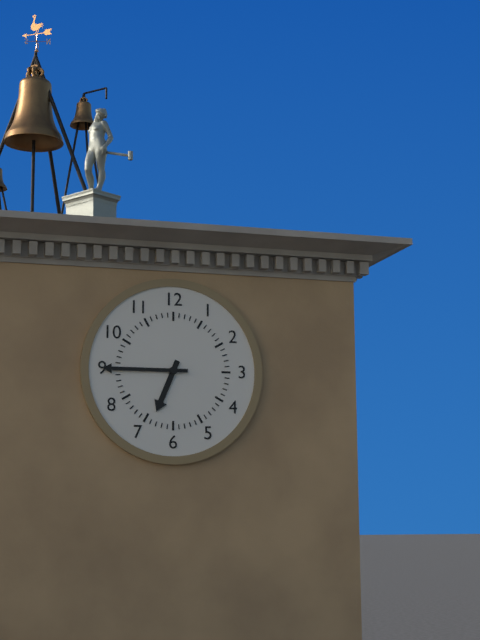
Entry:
h=6 m=45
